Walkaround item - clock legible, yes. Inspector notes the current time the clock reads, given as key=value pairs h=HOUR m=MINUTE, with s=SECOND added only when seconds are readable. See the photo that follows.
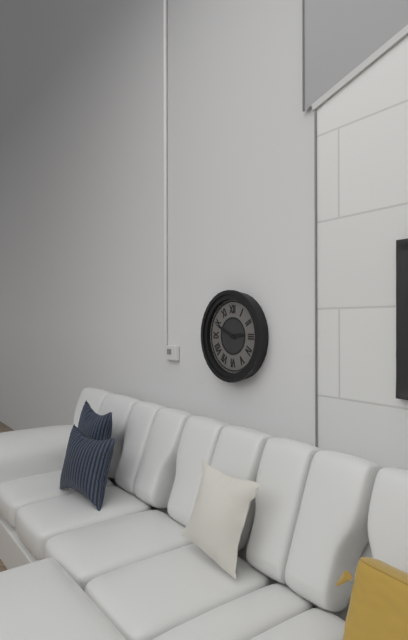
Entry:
h=2 m=49
